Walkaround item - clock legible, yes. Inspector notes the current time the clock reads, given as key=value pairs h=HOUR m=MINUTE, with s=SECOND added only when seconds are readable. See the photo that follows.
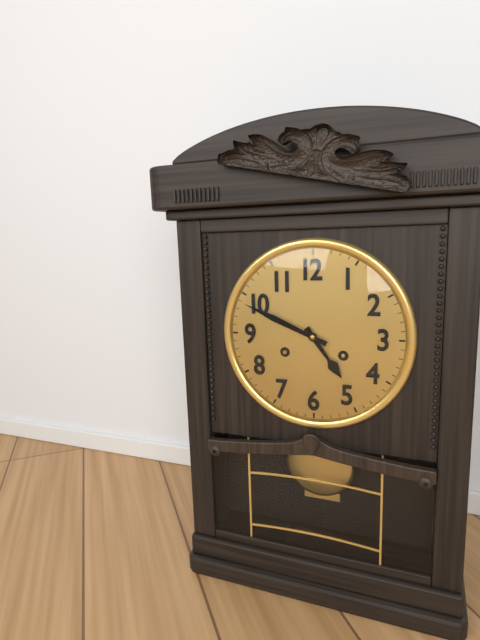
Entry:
h=4 m=49
